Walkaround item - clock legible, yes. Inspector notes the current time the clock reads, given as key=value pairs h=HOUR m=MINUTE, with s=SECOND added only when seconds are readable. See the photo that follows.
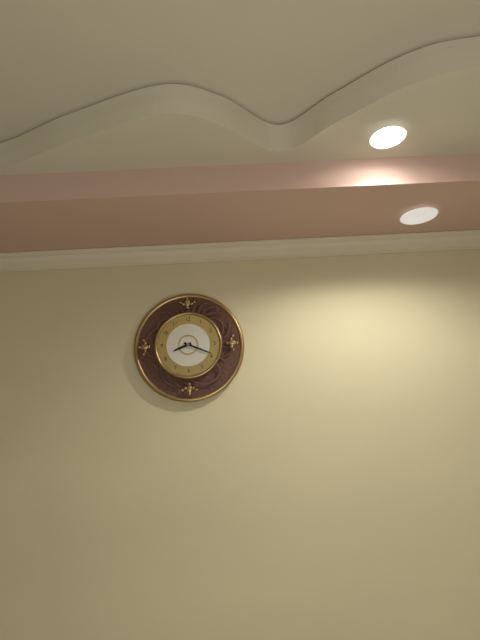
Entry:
h=8 m=19
